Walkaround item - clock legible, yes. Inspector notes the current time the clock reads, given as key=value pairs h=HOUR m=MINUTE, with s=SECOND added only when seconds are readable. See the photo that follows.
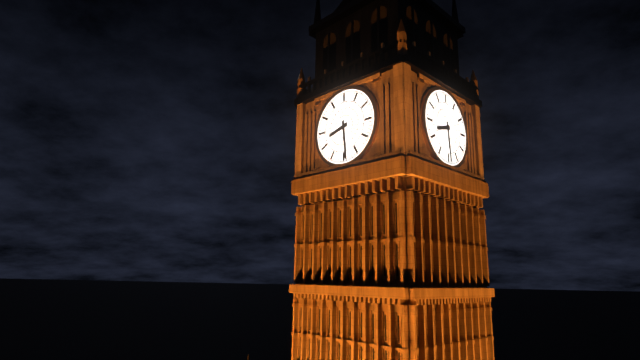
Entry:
h=8 m=29
